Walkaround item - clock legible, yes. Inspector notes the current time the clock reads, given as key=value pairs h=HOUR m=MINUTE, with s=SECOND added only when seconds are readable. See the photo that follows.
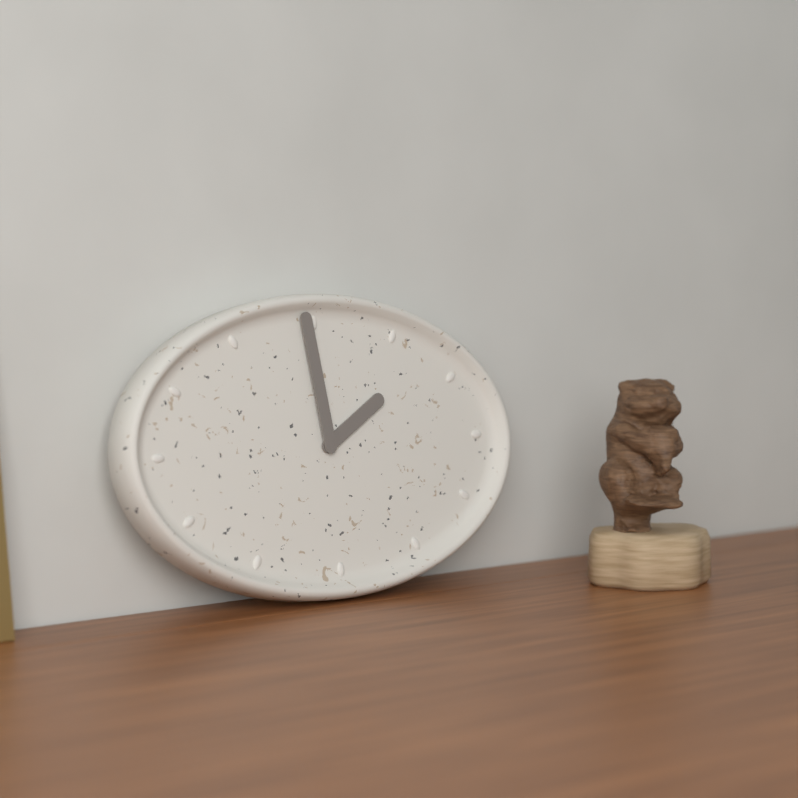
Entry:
h=1 m=59
